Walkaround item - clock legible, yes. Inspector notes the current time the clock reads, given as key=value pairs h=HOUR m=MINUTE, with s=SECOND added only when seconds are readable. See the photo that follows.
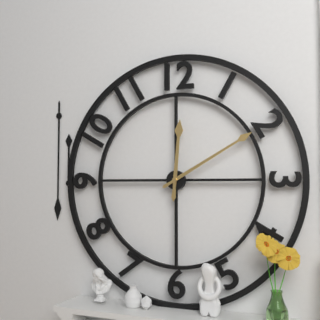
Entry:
h=12 m=10
